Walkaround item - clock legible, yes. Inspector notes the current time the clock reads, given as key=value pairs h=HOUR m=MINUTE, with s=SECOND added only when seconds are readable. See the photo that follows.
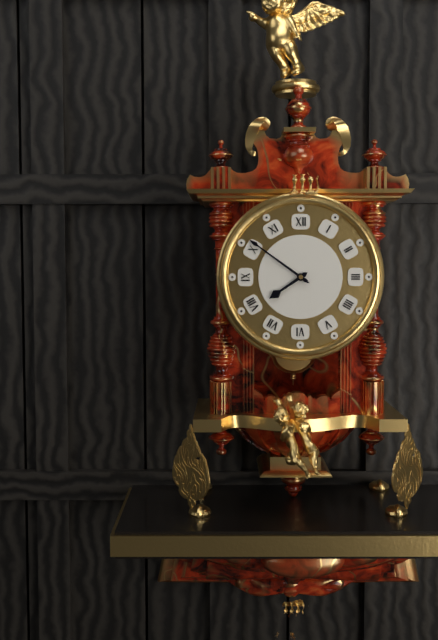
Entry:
h=7 m=51
